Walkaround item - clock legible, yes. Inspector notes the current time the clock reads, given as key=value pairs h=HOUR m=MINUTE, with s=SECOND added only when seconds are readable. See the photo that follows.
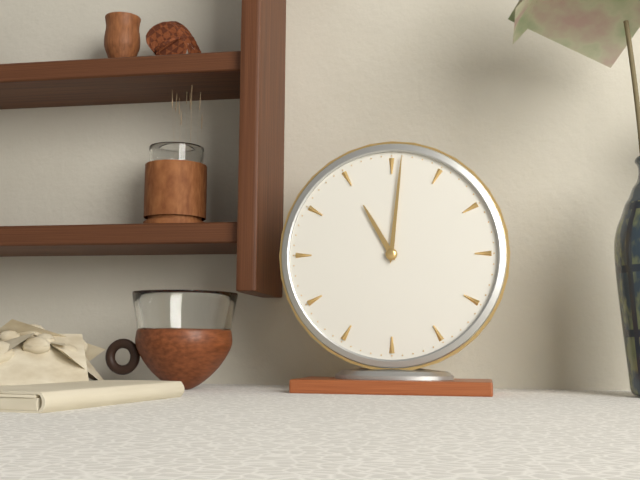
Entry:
h=11 m=1
